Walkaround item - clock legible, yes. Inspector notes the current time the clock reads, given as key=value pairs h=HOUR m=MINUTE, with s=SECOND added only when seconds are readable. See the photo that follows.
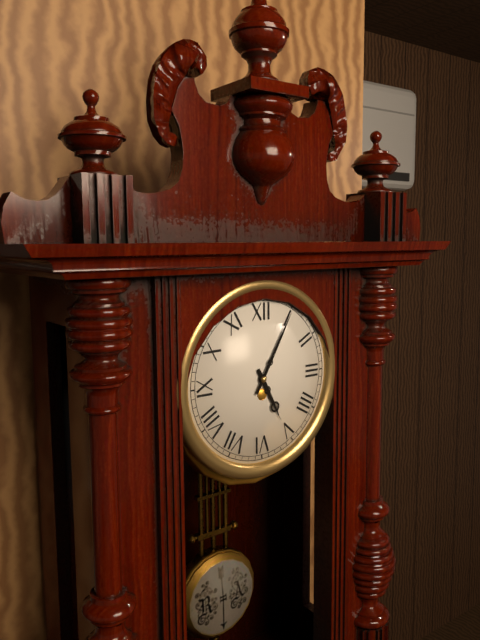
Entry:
h=5 m=5
